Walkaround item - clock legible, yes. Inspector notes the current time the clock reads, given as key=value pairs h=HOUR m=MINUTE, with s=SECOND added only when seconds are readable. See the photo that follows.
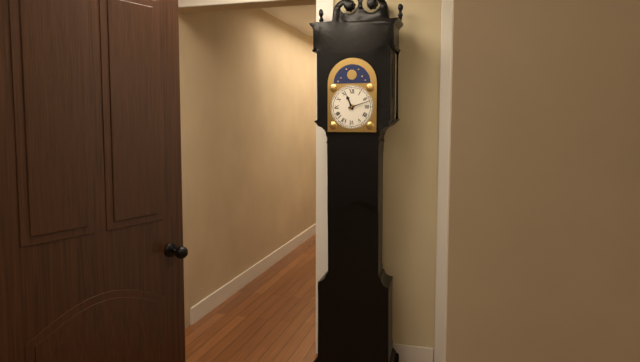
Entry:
h=11 m=12
